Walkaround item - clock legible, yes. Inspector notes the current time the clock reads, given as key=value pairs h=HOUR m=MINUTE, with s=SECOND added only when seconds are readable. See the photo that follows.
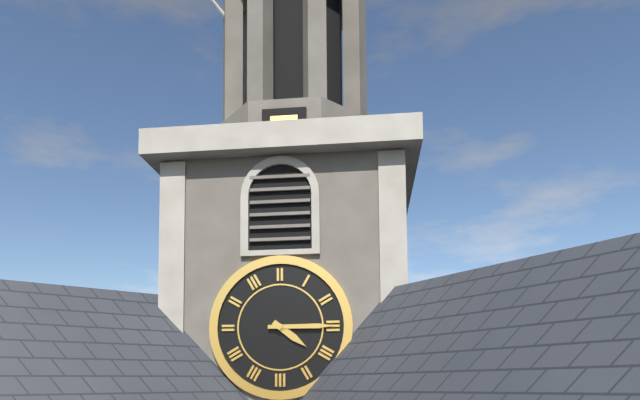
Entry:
h=4 m=15
